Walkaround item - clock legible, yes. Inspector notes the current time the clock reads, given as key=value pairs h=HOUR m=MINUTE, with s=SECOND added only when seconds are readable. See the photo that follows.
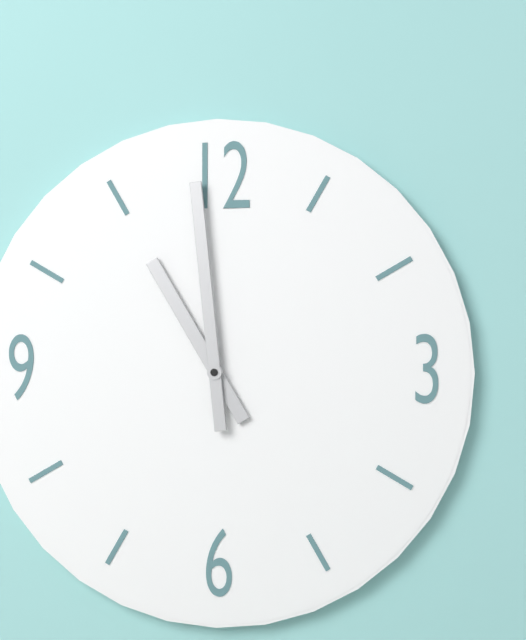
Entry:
h=10 m=59
